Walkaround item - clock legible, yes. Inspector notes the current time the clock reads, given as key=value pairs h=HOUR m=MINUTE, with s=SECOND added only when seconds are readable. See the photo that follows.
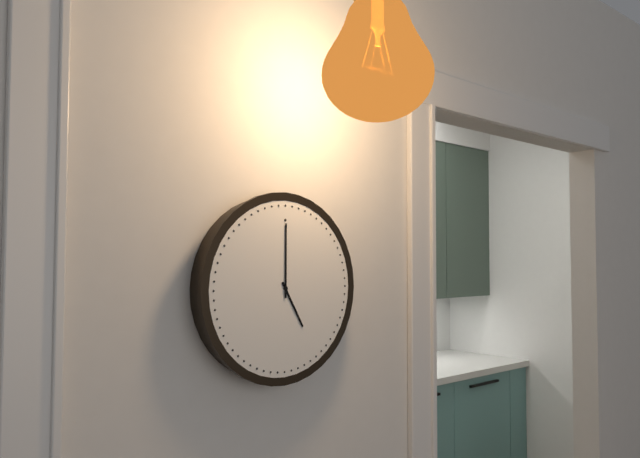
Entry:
h=5 m=0
